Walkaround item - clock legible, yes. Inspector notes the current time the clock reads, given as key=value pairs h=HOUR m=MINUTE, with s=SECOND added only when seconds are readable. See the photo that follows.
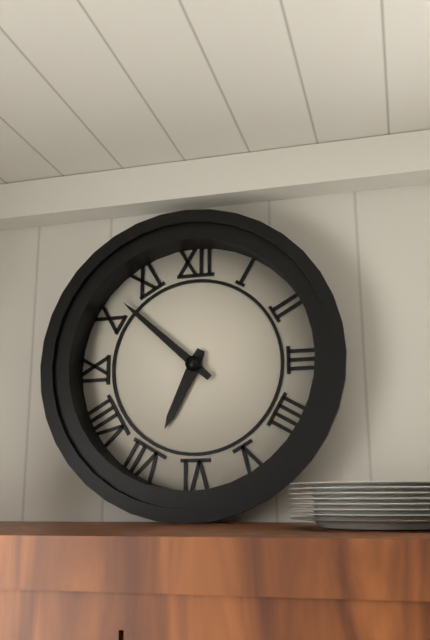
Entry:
h=6 m=52
